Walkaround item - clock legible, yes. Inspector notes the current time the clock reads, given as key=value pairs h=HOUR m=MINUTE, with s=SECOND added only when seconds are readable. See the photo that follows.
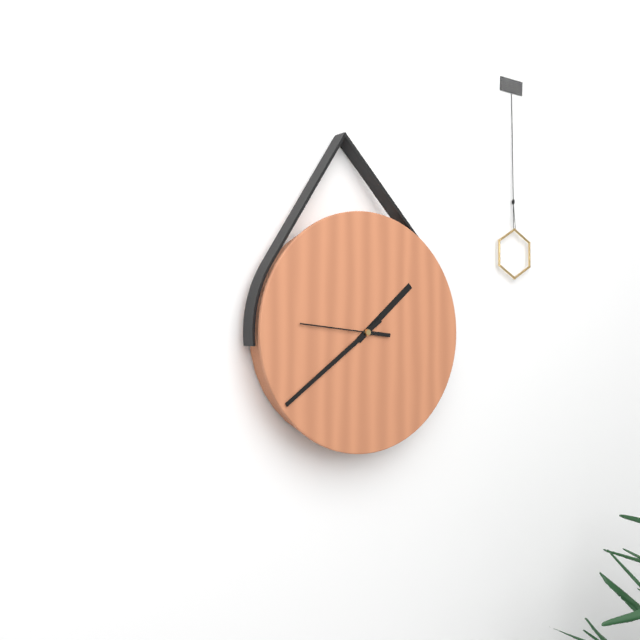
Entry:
h=1 m=39 s=46
